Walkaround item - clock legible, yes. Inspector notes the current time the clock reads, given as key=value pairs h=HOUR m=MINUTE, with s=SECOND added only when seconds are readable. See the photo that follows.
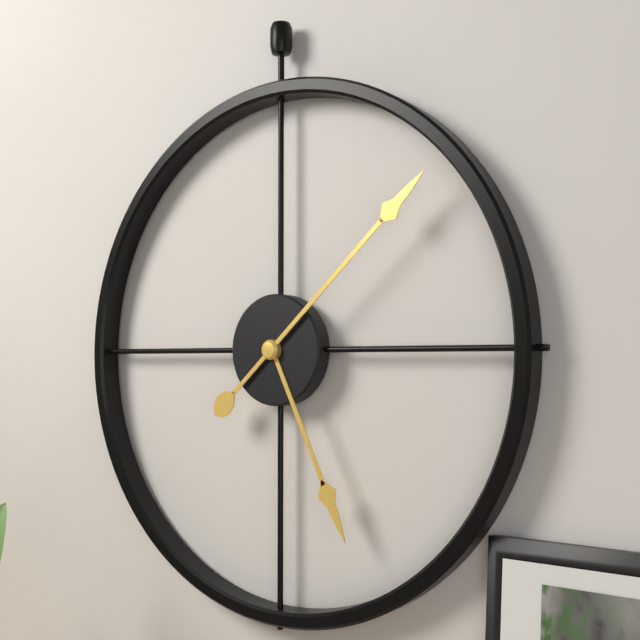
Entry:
h=5 m=8
